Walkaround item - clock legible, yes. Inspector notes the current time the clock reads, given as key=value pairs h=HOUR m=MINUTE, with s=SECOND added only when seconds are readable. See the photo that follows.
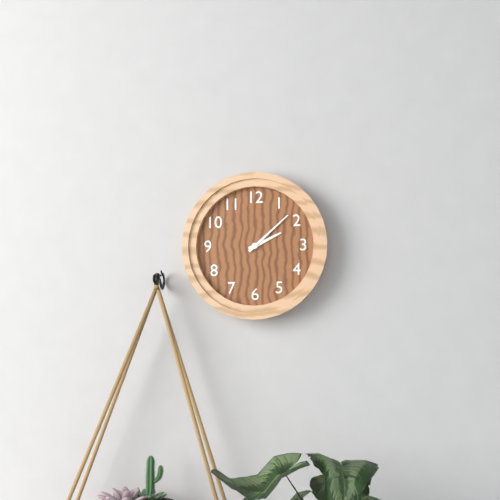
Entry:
h=2 m=8
